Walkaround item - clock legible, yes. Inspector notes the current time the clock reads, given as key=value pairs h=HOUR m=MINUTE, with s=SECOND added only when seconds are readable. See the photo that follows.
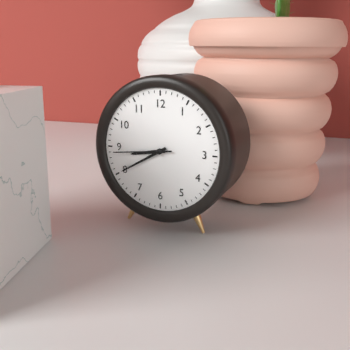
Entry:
h=8 m=40 s=44
